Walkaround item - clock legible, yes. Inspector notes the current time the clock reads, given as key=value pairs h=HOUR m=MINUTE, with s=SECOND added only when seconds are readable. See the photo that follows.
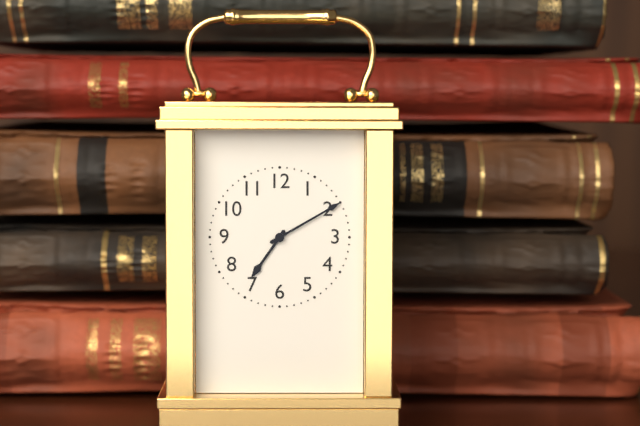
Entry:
h=7 m=10
